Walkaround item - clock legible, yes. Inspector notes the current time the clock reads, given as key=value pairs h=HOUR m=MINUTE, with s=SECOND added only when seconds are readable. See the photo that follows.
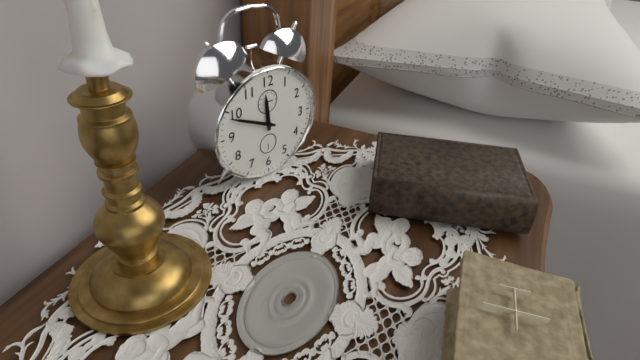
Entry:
h=11 m=49
